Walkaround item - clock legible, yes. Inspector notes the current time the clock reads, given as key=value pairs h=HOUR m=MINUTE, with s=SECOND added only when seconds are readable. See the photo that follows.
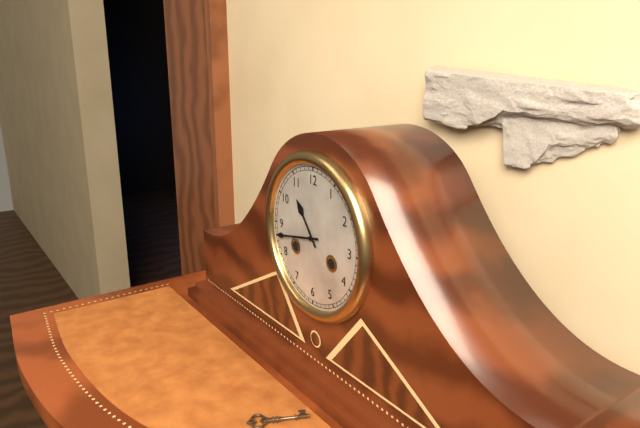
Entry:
h=10 m=43
